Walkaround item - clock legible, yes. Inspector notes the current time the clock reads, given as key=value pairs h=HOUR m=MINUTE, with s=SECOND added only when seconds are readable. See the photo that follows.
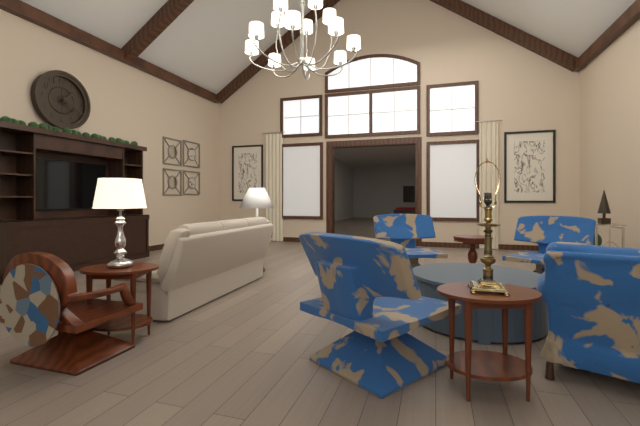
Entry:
h=1 m=20
